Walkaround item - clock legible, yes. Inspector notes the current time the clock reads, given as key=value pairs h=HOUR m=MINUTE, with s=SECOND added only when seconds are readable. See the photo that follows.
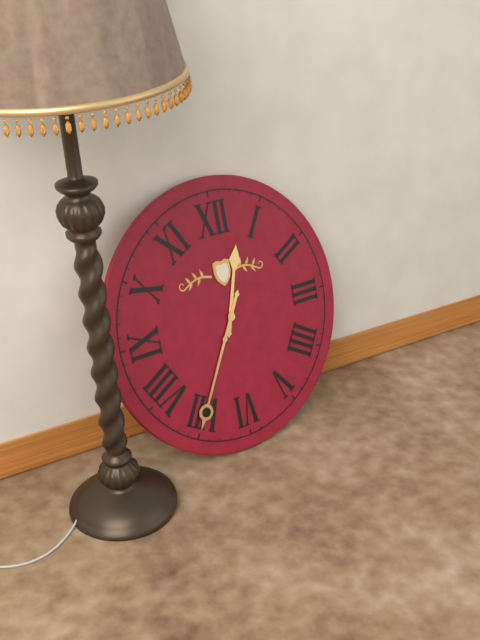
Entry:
h=12 m=35
